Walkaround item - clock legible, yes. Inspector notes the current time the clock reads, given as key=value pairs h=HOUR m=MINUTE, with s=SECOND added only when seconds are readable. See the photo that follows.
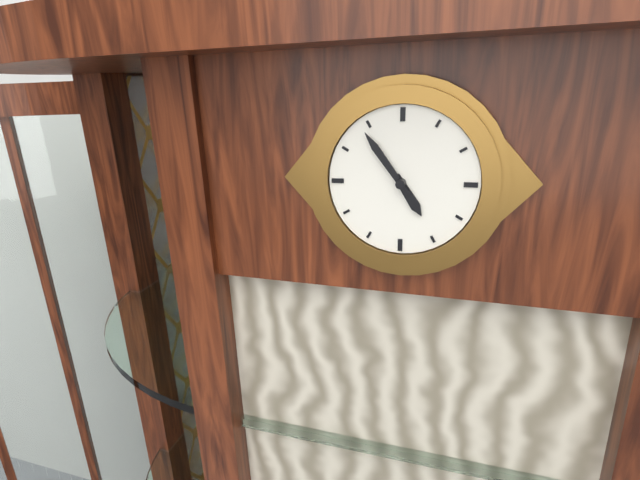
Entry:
h=4 m=54
